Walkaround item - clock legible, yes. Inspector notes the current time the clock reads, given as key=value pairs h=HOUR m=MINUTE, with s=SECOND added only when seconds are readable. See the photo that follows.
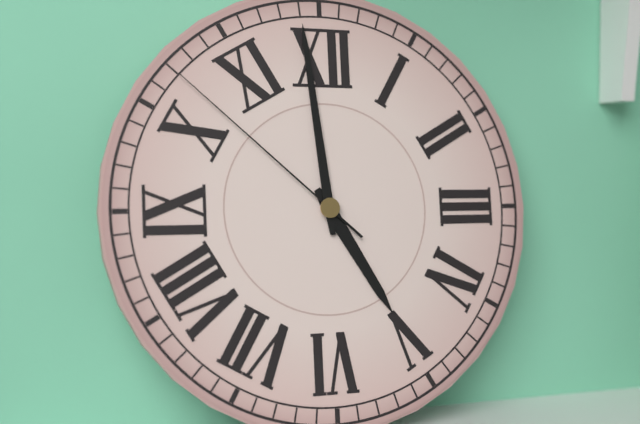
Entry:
h=4 m=59 s=52
